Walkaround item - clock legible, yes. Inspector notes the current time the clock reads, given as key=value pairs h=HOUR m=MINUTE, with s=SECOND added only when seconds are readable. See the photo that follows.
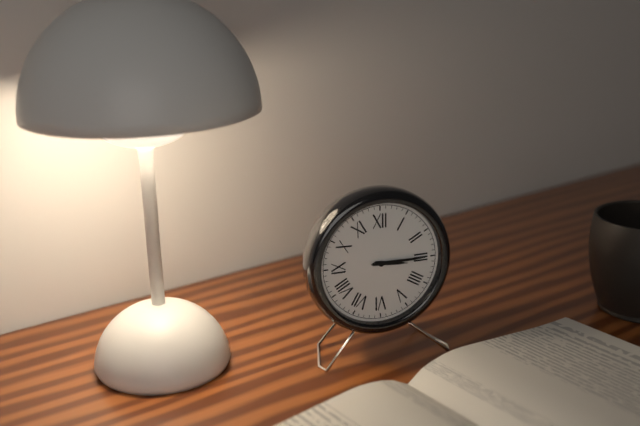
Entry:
h=3 m=15
